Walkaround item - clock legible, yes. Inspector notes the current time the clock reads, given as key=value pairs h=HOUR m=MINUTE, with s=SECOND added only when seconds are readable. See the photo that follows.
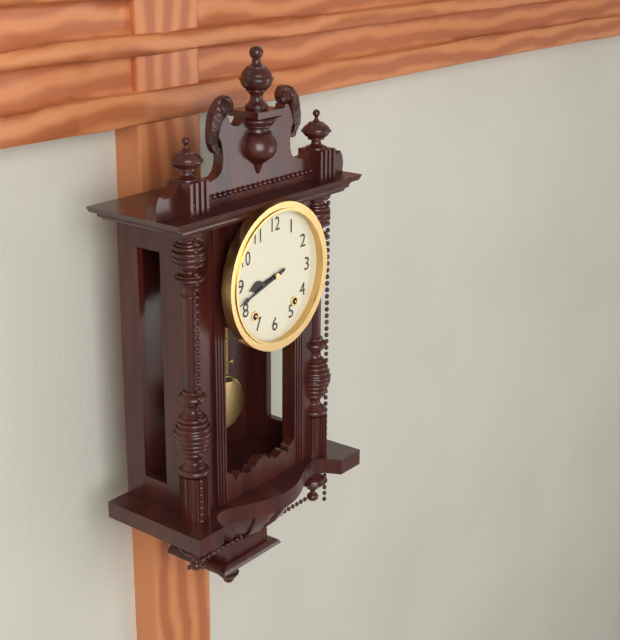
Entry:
h=8 m=42
